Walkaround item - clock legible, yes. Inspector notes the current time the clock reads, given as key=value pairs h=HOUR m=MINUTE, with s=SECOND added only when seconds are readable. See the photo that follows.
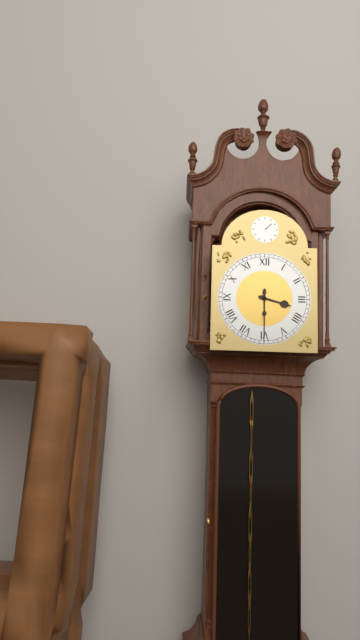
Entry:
h=3 m=30
